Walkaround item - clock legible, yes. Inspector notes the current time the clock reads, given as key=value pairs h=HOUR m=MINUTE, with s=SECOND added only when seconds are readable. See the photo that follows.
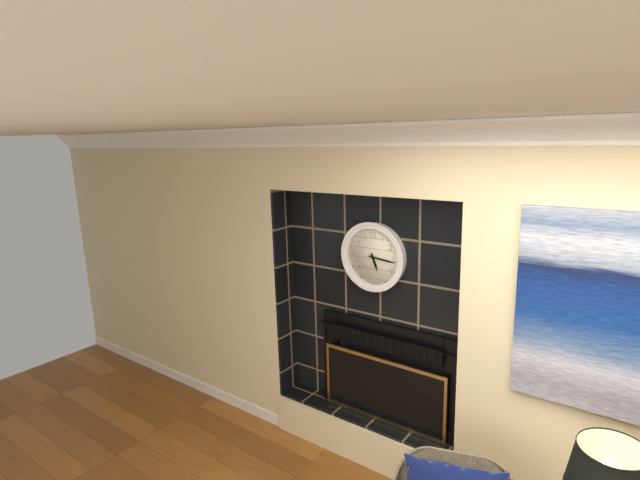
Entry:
h=5 m=16
